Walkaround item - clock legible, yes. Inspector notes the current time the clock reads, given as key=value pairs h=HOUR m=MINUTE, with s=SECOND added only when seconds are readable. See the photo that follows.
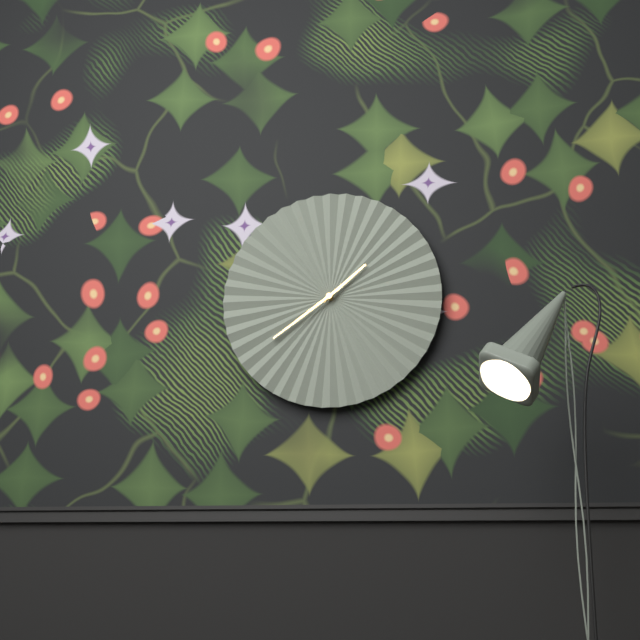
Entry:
h=1 m=39
